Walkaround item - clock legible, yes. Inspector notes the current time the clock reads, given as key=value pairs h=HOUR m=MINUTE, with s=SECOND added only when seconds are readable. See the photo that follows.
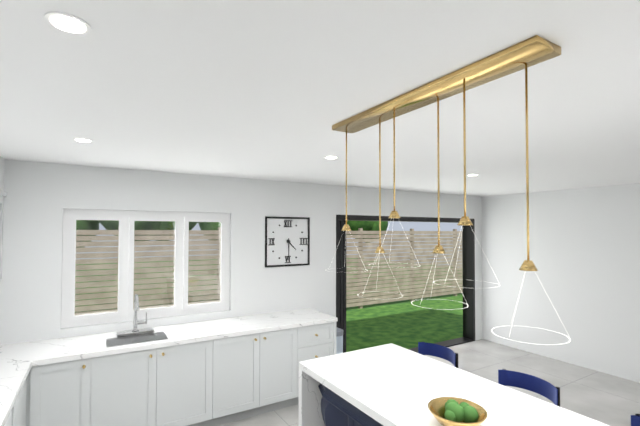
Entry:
h=4 m=30
